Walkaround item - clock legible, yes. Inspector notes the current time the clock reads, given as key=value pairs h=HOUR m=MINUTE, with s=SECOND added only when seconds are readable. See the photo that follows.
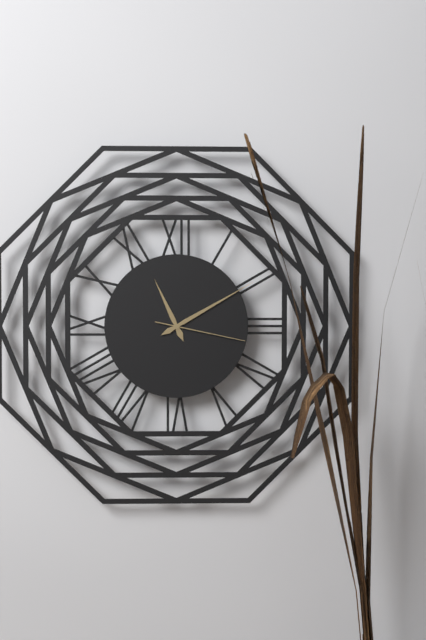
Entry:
h=11 m=10 s=17
